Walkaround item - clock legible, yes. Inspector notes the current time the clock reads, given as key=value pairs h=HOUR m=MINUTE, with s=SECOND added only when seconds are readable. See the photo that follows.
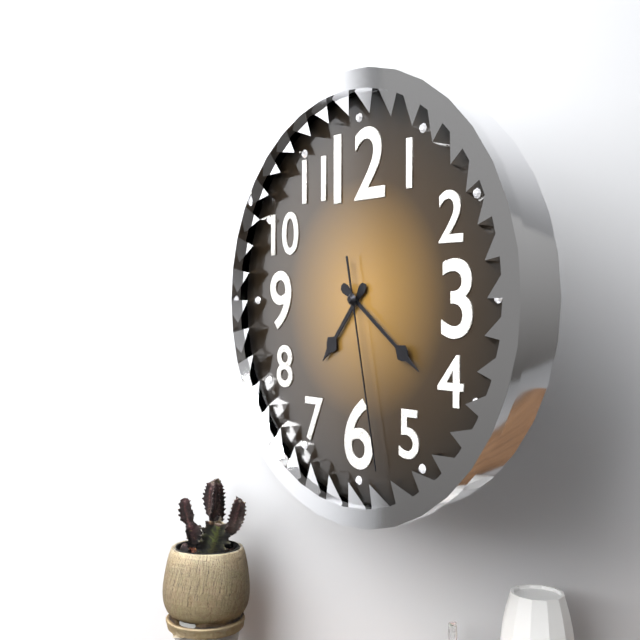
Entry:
h=7 m=21 s=28
